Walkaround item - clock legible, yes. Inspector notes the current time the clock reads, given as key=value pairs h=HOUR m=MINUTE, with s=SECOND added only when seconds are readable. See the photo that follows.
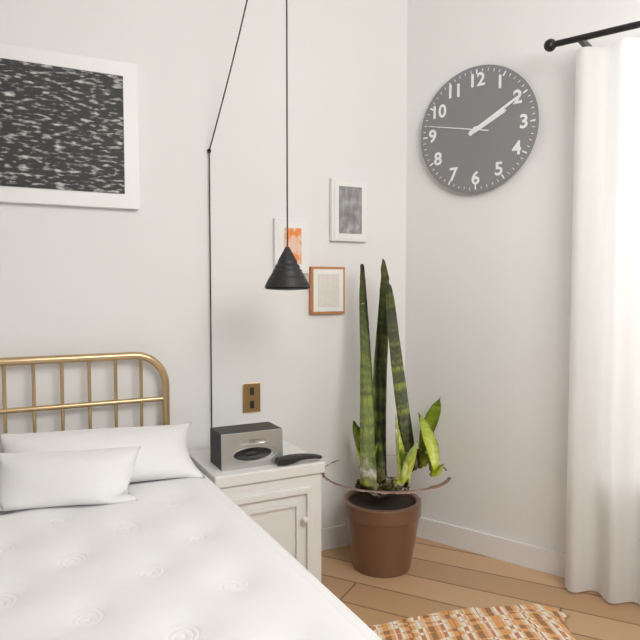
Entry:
h=2 m=10 s=47
